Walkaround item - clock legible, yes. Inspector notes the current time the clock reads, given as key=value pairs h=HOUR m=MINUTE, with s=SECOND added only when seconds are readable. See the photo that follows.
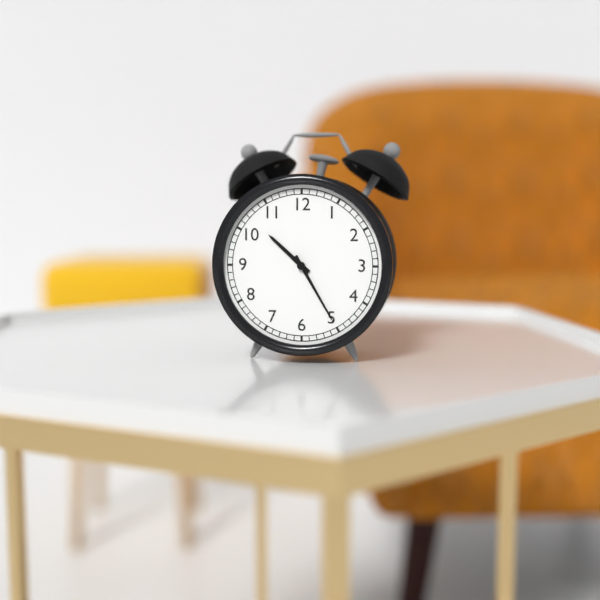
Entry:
h=10 m=25
